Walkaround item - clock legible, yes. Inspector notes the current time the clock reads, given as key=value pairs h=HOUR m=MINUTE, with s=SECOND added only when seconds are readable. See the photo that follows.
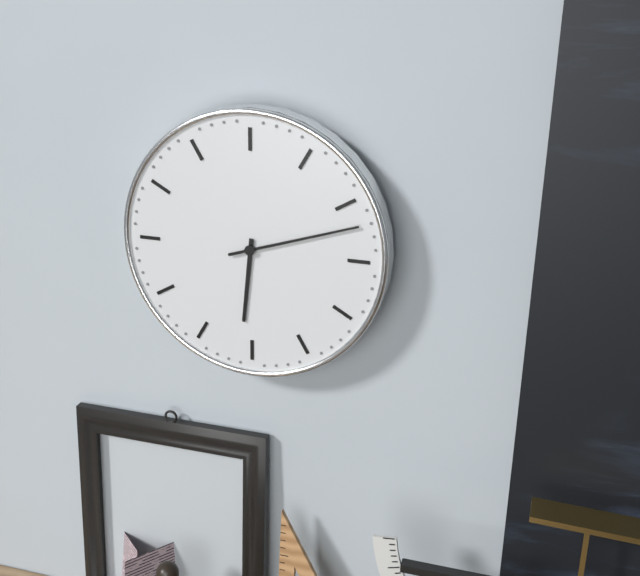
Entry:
h=6 m=12
